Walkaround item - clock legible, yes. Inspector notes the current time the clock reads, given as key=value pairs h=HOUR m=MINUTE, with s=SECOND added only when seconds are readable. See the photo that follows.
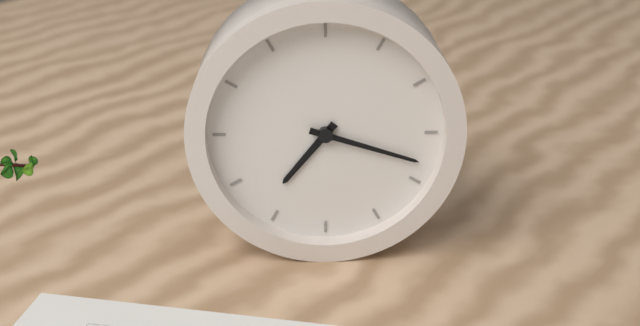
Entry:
h=7 m=18
